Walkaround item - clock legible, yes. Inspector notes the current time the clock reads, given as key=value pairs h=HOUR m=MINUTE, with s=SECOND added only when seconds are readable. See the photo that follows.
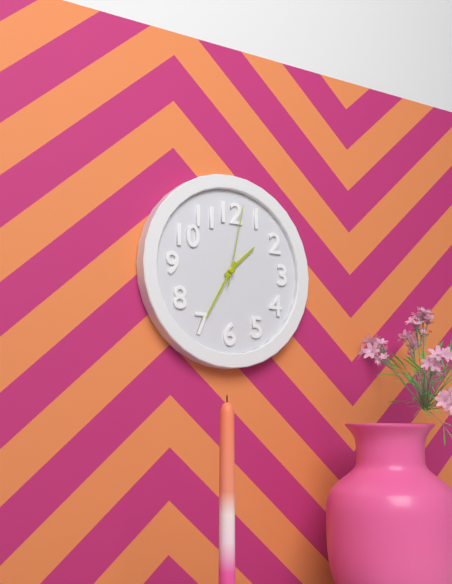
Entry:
h=1 m=35 s=2
